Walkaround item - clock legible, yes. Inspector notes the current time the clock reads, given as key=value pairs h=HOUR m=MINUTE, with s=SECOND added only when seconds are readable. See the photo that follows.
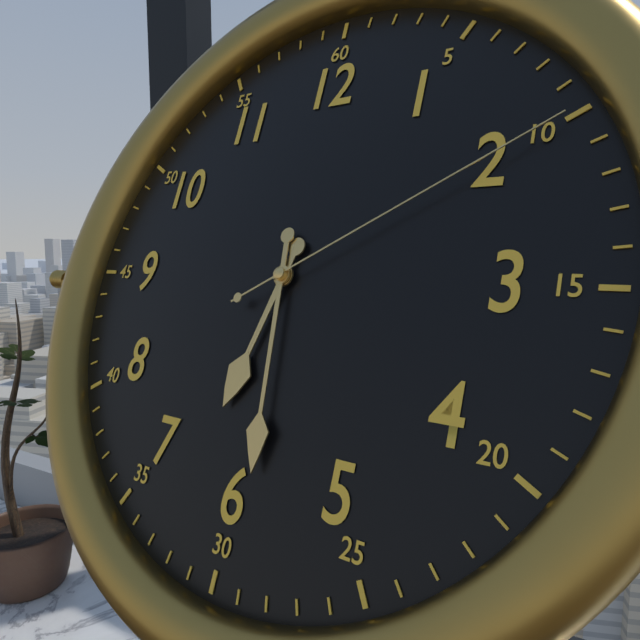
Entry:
h=6 m=29 s=10
